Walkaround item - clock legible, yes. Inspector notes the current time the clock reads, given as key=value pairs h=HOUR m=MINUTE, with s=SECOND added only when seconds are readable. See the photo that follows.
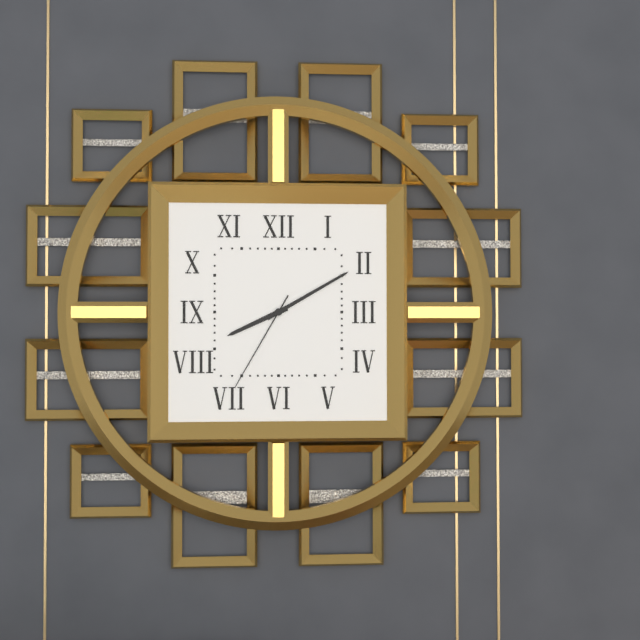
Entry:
h=8 m=10 s=35
